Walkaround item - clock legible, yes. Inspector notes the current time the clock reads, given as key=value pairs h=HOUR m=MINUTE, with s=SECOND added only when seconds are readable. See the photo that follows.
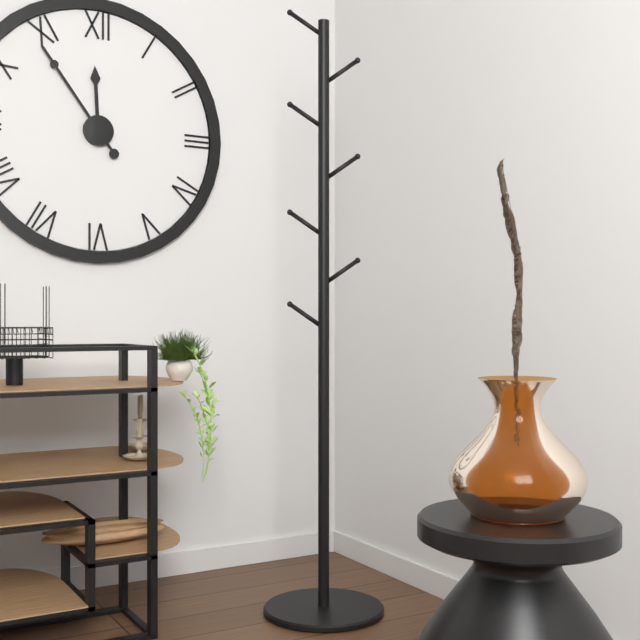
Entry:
h=11 m=54
